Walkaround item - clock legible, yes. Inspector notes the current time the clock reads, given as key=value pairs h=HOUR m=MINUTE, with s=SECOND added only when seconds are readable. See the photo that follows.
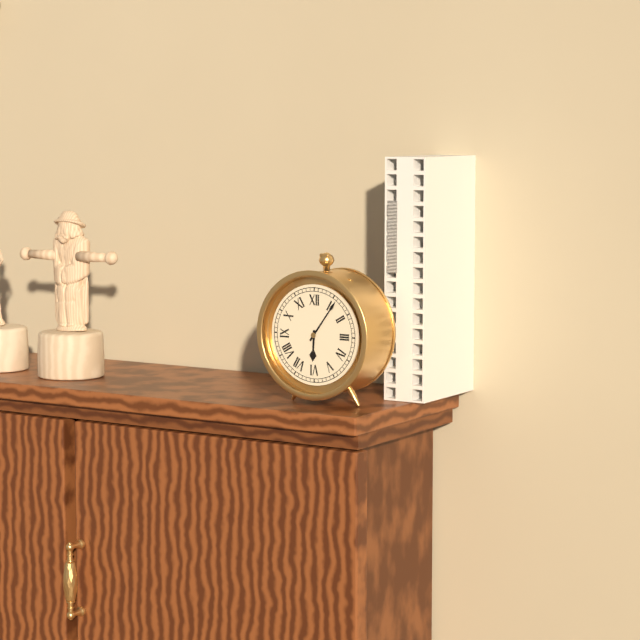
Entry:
h=6 m=6
